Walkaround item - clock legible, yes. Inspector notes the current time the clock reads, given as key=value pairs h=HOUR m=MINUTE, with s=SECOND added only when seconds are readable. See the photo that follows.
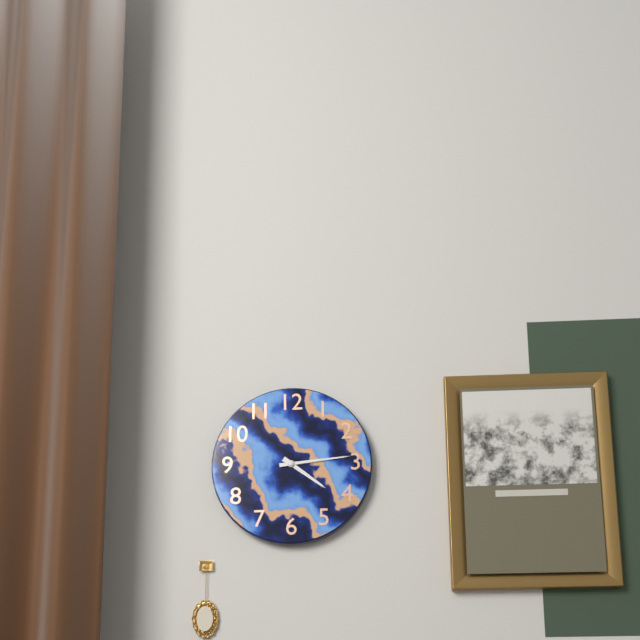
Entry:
h=4 m=14
